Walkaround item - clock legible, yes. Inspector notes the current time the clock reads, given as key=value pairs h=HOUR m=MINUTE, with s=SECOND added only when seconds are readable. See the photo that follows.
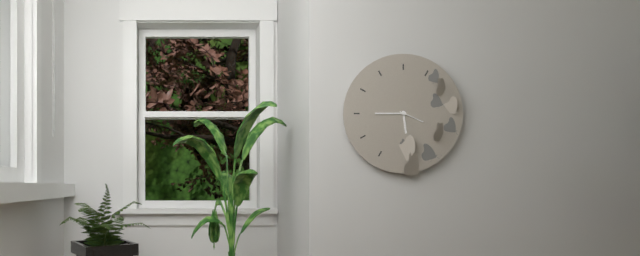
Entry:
h=5 m=45
